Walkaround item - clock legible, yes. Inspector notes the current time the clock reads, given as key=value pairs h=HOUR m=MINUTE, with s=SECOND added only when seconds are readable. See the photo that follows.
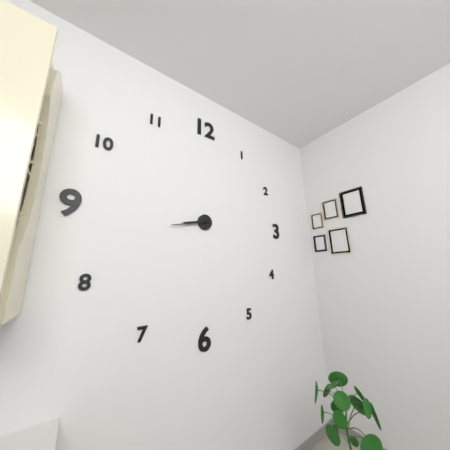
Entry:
h=8 m=43
